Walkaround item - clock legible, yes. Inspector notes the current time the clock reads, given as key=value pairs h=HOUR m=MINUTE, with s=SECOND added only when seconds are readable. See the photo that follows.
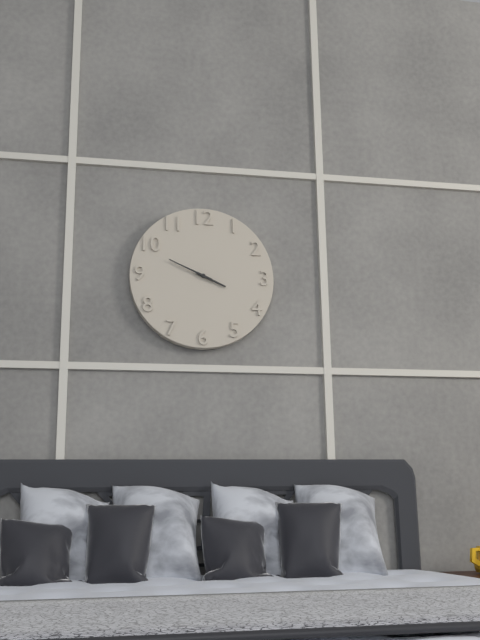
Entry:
h=3 m=49
